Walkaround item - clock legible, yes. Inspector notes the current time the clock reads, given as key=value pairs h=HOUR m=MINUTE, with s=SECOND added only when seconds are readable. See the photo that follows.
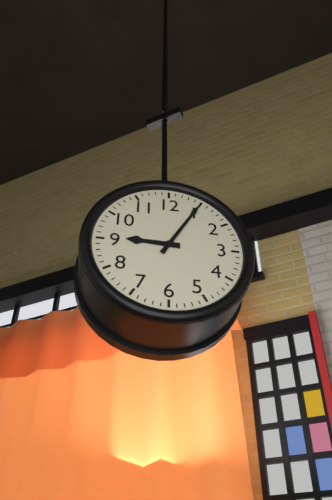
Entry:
h=9 m=5
